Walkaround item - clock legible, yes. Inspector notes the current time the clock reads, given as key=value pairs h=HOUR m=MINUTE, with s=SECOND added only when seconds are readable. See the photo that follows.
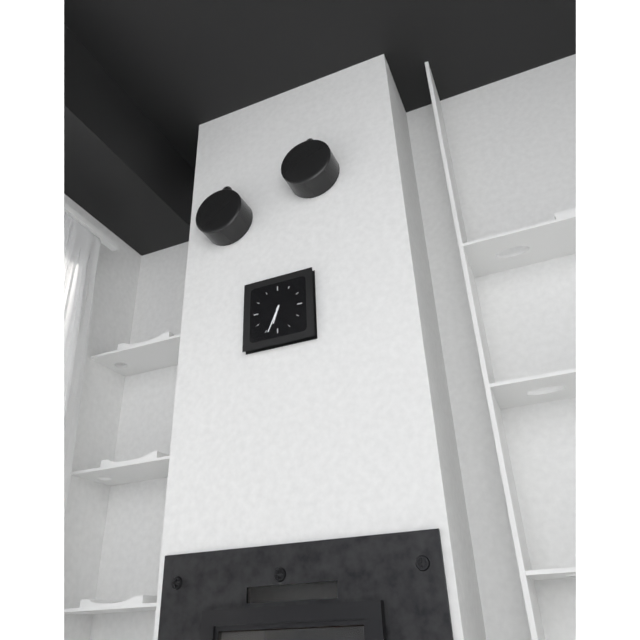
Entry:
h=6 m=34
